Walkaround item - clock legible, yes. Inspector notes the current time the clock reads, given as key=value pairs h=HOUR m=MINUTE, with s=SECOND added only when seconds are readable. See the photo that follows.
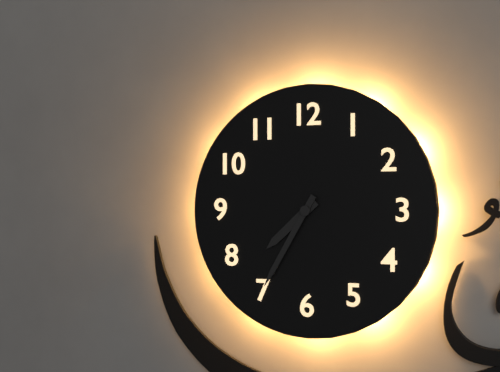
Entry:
h=7 m=35
